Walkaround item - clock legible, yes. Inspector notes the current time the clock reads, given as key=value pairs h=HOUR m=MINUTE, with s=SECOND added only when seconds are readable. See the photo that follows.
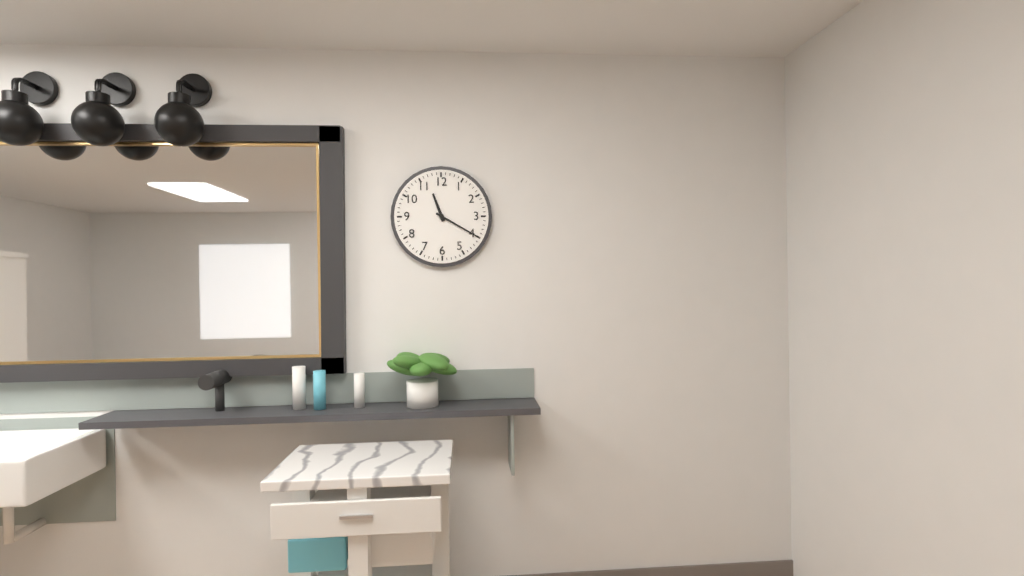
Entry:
h=11 m=20
